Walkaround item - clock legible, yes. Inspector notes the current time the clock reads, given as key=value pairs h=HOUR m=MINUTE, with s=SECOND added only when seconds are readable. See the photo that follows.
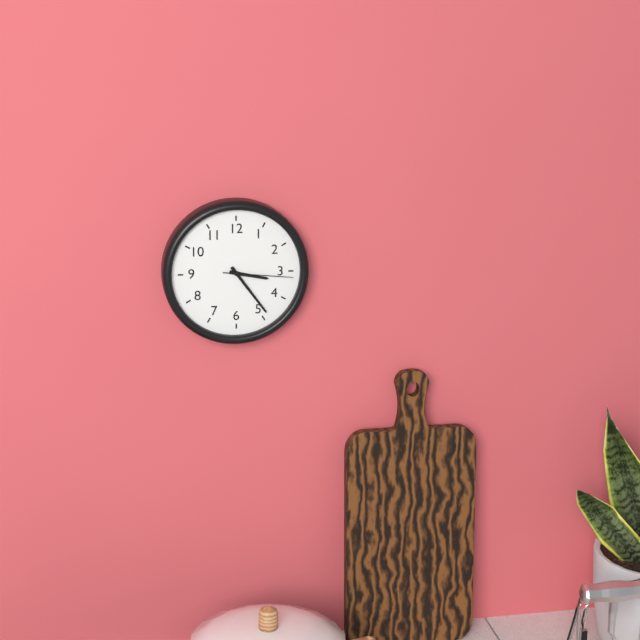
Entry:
h=3 m=24 s=16
